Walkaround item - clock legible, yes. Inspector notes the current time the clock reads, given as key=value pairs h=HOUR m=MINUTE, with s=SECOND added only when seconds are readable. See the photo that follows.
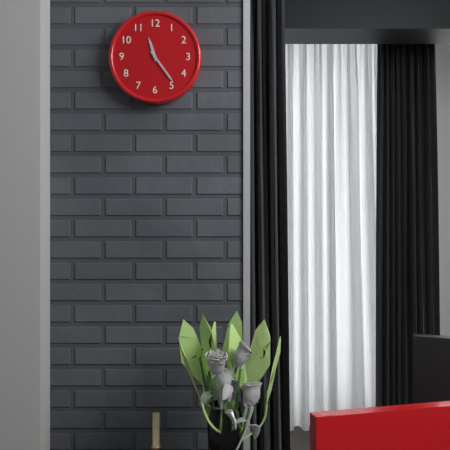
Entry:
h=11 m=24
